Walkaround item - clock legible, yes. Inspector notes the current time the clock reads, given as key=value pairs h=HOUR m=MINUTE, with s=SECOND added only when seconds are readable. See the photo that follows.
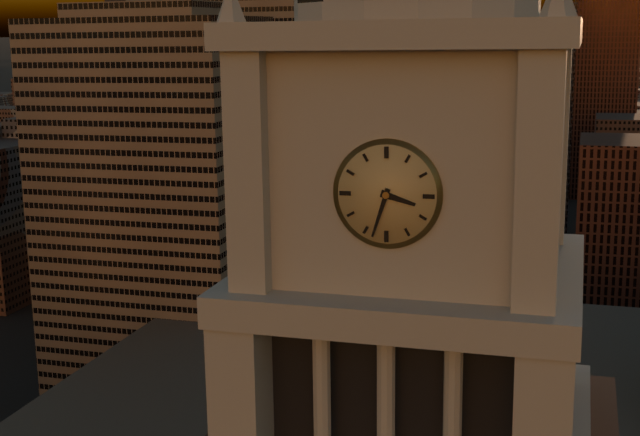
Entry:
h=3 m=33
